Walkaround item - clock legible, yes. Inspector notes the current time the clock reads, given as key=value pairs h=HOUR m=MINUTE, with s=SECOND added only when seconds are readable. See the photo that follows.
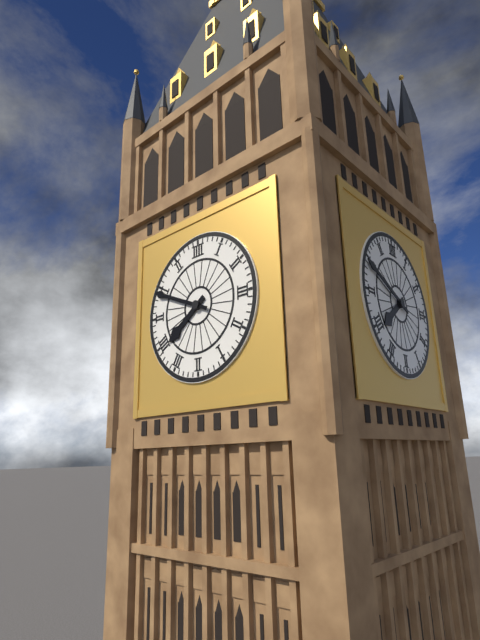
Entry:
h=7 m=49
